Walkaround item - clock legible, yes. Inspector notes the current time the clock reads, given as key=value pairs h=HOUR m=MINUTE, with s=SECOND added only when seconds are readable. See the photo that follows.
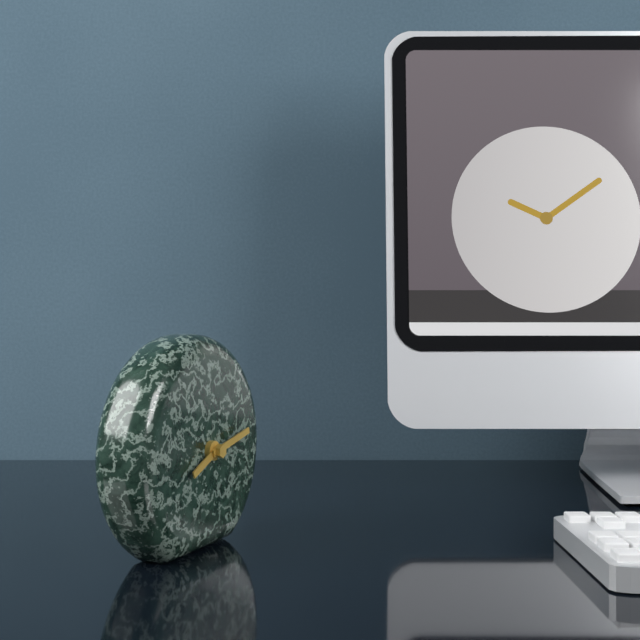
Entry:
h=8 m=13
